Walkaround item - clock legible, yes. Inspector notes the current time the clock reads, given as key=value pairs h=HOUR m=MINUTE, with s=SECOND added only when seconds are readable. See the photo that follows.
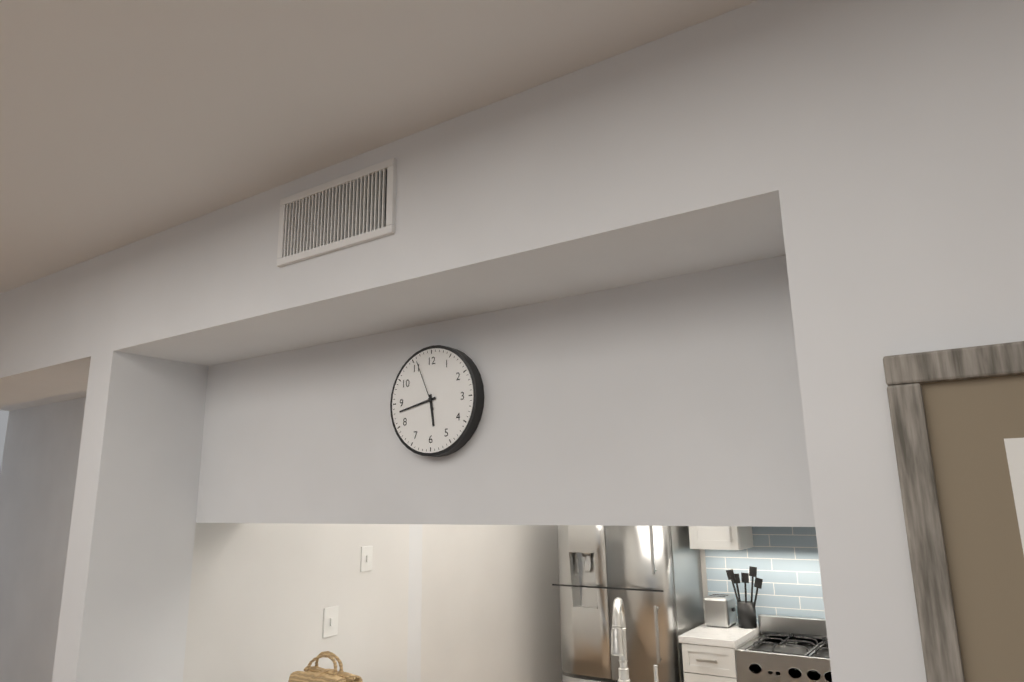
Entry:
h=5 m=43 s=56
